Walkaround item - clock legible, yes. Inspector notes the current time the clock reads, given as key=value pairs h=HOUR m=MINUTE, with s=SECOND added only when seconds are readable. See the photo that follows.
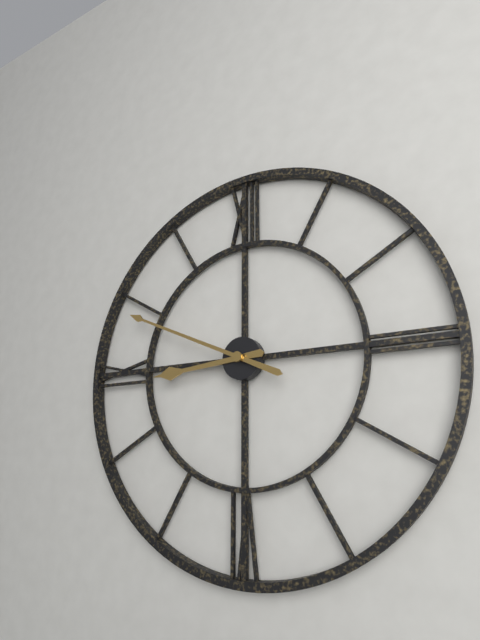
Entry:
h=8 m=49
